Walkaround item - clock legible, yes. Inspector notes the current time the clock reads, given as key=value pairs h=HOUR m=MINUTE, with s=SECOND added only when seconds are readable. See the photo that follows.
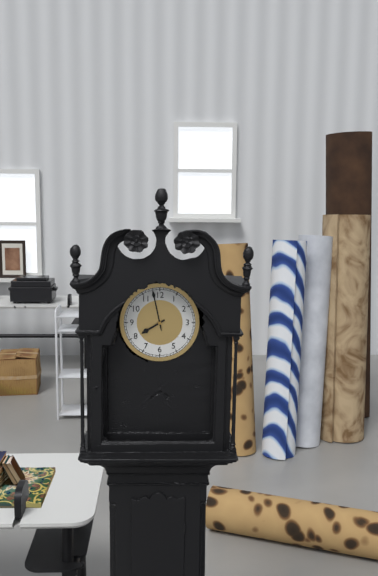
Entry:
h=7 m=58
